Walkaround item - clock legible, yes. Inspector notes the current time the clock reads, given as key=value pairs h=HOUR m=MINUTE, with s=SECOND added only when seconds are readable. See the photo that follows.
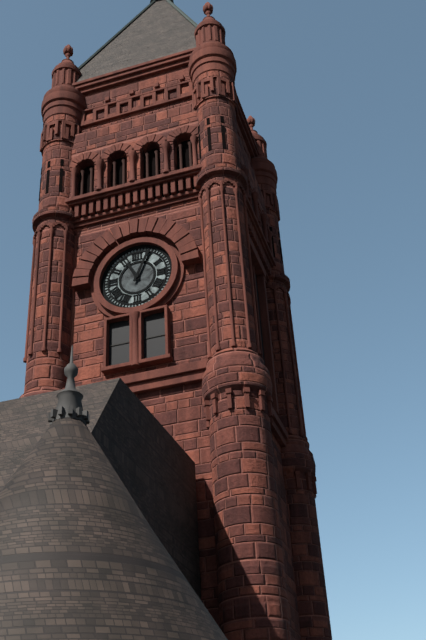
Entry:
h=11 m=4
